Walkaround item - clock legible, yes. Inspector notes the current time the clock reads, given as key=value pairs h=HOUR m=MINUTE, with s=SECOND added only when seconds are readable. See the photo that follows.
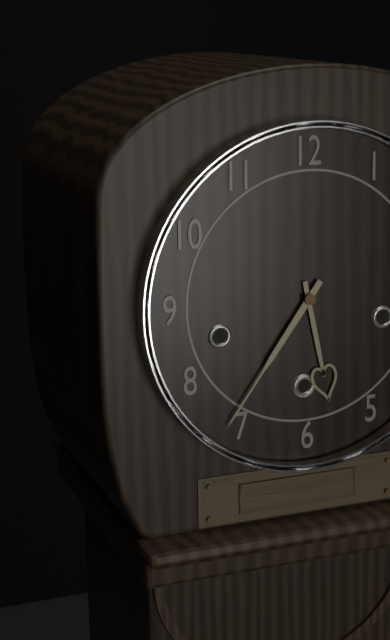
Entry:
h=5 m=36
